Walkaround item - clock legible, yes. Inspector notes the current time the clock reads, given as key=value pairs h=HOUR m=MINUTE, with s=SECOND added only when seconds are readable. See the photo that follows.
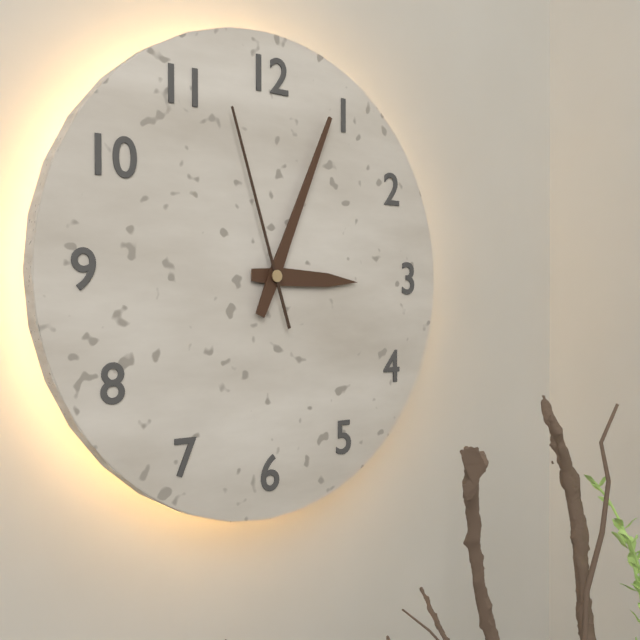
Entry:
h=3 m=4 s=57
